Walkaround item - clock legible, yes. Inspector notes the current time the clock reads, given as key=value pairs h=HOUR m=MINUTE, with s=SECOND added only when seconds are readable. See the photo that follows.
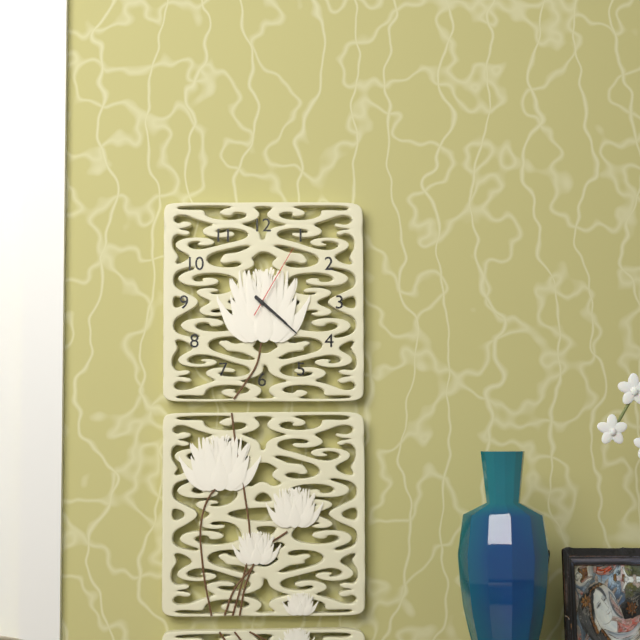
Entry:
h=4 m=22 s=5
